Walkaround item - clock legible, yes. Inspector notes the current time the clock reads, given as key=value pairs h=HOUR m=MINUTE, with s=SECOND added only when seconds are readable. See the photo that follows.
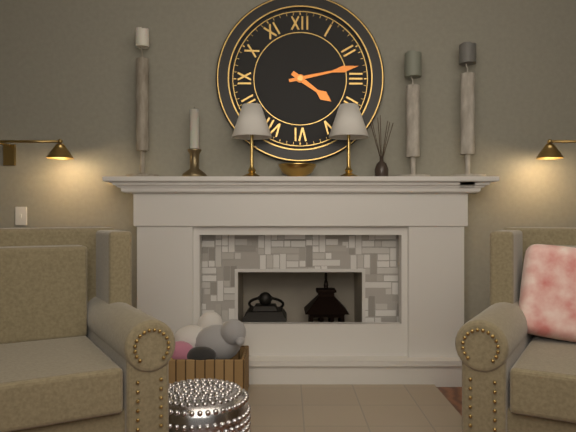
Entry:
h=4 m=13
